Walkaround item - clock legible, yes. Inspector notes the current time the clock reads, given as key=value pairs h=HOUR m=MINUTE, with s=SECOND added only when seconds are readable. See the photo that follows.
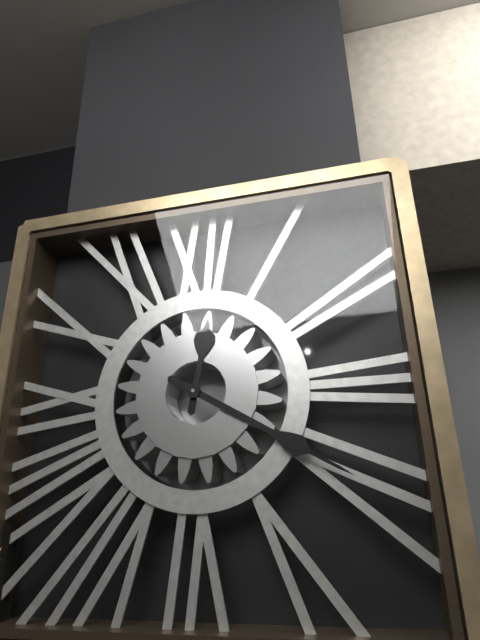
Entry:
h=12 m=20
